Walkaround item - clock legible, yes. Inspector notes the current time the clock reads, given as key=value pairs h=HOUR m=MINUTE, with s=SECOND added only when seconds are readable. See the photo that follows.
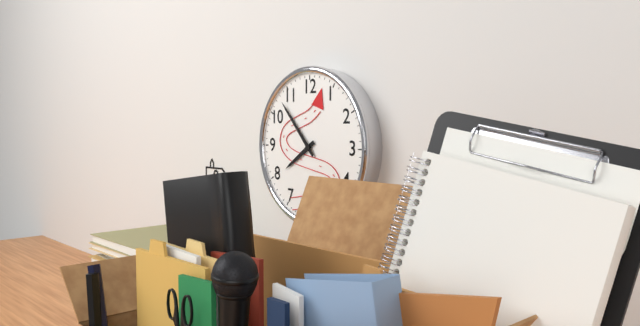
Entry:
h=7 m=53
